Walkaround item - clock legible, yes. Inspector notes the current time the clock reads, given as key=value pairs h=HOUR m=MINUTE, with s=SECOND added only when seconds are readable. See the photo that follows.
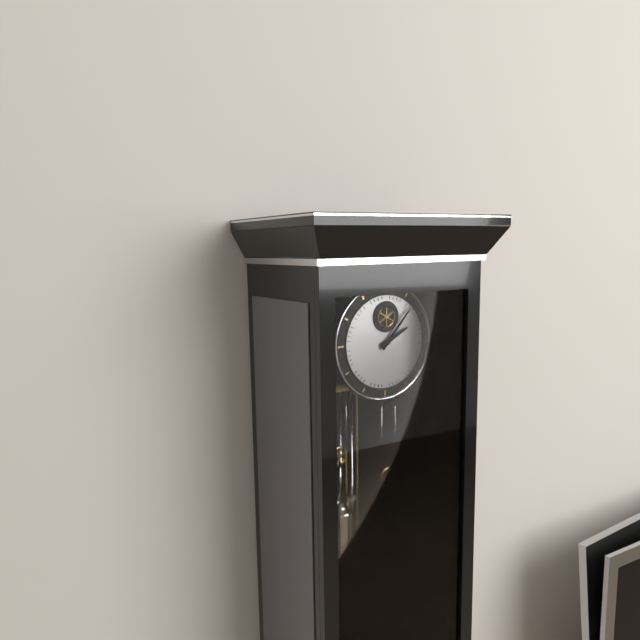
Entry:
h=2 m=7
